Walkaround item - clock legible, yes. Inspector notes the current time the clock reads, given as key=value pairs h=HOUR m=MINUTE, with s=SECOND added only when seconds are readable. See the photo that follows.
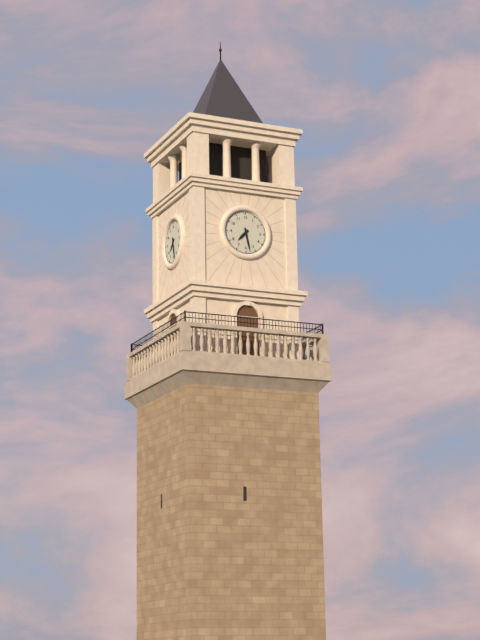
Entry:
h=7 m=28
